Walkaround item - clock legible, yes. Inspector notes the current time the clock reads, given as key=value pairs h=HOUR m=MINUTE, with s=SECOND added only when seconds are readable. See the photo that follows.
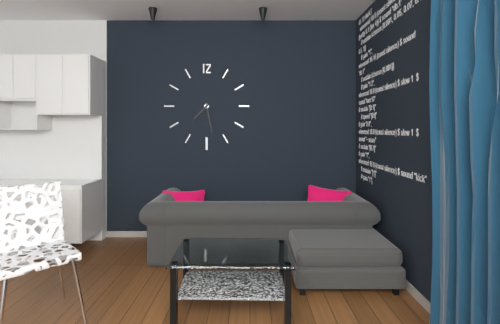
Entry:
h=7 m=28
